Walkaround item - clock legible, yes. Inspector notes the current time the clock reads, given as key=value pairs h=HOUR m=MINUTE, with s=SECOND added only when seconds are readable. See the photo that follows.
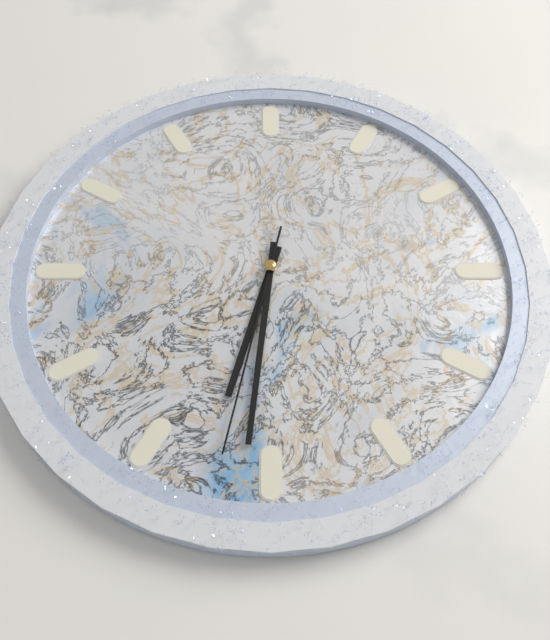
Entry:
h=6 m=31 s=32
